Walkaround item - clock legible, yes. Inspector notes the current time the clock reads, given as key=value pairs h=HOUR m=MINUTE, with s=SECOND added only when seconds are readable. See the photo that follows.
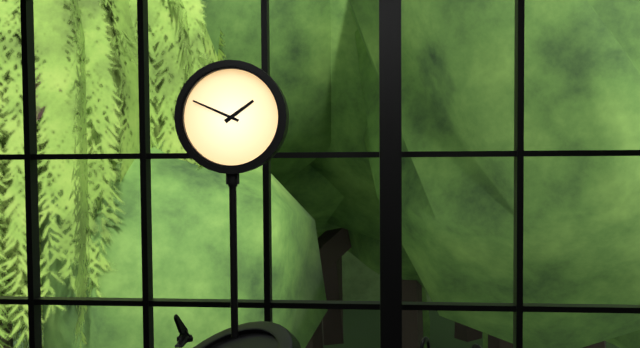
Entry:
h=1 m=49
